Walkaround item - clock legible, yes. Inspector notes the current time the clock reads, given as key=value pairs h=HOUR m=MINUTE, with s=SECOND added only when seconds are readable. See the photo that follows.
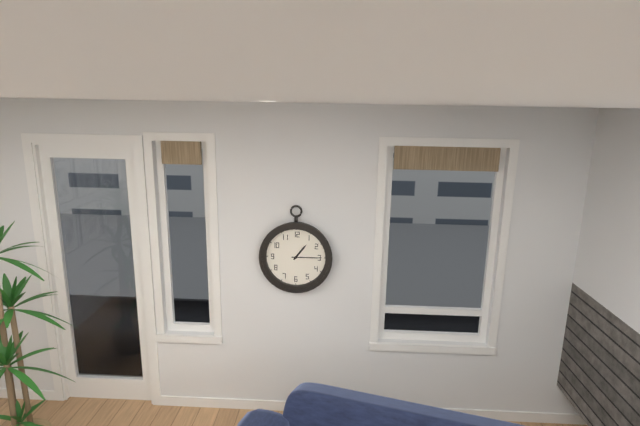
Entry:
h=1 m=15
